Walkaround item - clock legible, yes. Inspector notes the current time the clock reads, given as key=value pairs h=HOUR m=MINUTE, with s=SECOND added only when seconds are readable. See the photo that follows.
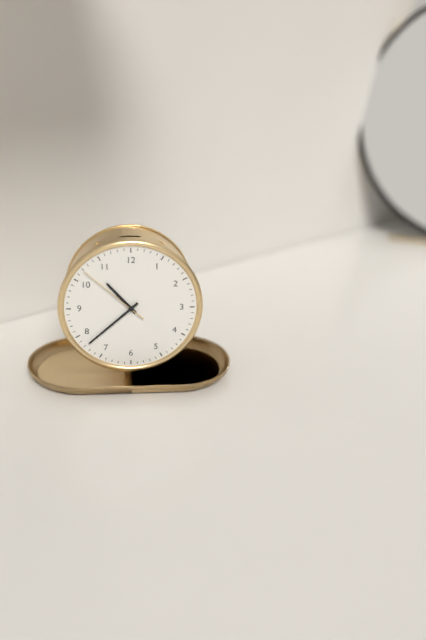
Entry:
h=10 m=38 s=52
